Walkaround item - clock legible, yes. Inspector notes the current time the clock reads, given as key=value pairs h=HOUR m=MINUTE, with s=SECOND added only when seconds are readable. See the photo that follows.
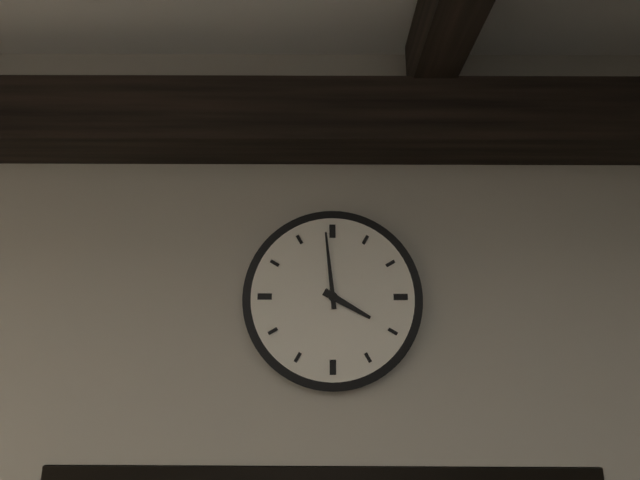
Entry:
h=3 m=59
